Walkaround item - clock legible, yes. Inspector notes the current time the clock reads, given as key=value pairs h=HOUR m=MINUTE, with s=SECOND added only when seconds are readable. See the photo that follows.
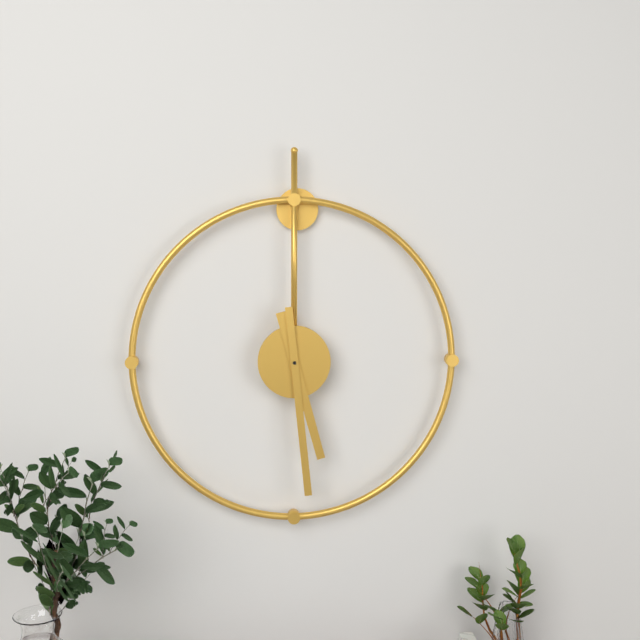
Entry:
h=5 m=29
